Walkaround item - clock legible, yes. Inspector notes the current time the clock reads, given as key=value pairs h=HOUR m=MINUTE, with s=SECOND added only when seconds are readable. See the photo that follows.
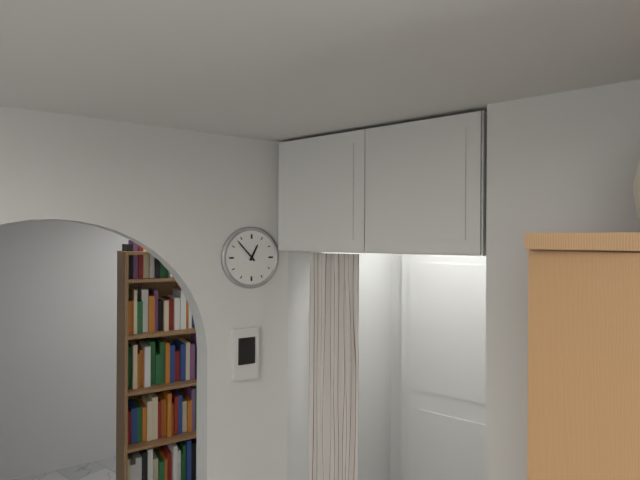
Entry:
h=12 m=53
